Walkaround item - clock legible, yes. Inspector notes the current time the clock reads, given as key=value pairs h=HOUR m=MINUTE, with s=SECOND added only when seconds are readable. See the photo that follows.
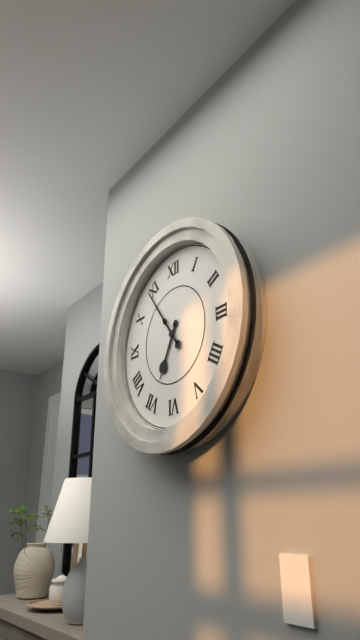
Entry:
h=6 m=54
